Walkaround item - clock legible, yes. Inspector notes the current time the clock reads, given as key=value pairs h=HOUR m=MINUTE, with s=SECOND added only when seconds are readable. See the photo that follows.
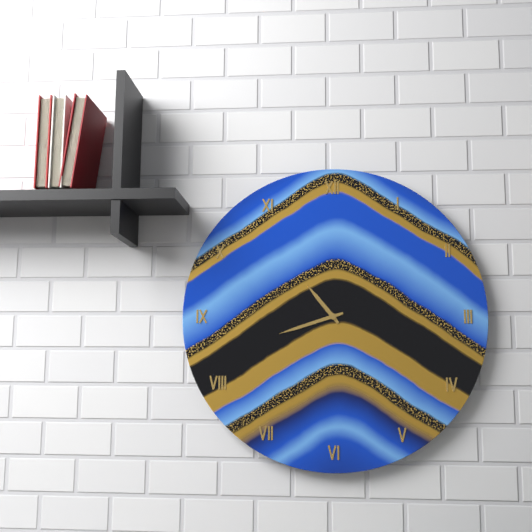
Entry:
h=10 m=42
